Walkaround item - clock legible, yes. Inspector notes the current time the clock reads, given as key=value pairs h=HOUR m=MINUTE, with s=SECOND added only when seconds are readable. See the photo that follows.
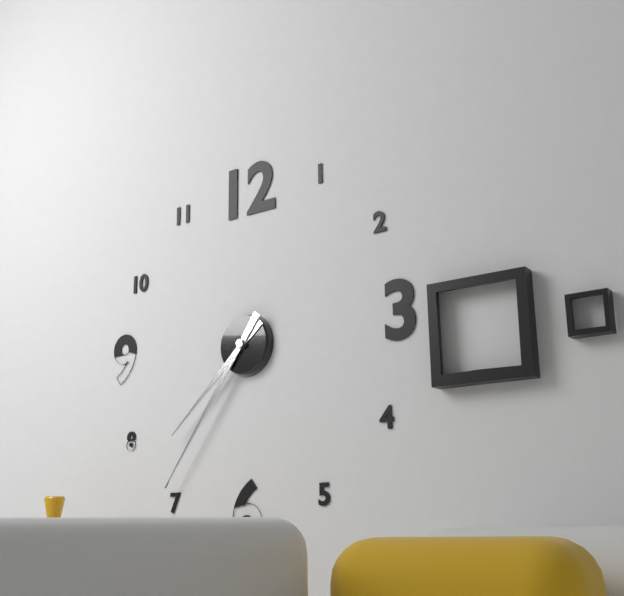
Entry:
h=7 m=36
